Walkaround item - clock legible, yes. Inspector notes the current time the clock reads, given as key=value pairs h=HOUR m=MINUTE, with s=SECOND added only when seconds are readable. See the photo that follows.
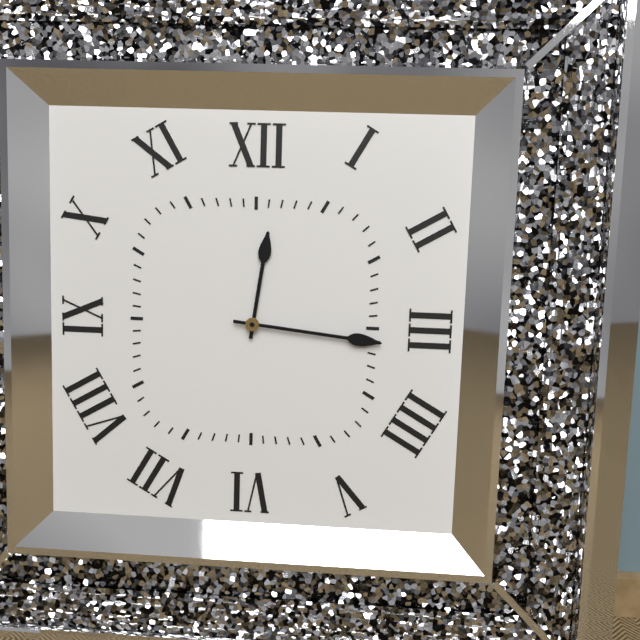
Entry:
h=12 m=16
